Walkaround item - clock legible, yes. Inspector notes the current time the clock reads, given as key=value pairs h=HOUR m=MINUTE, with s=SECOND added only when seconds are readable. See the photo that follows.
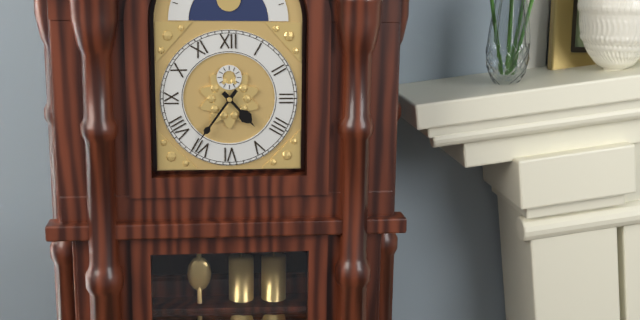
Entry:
h=4 m=36
